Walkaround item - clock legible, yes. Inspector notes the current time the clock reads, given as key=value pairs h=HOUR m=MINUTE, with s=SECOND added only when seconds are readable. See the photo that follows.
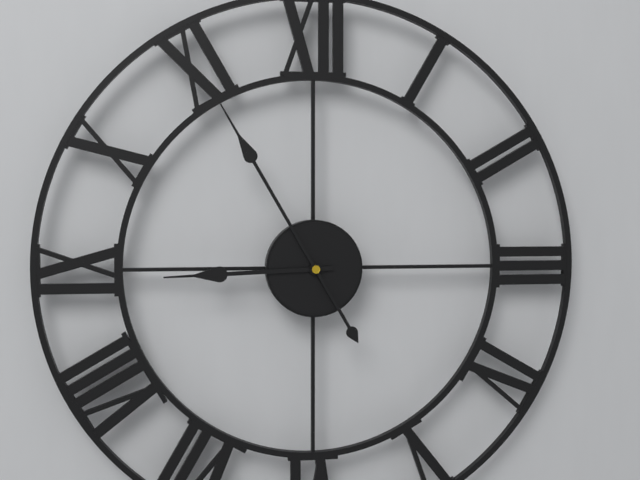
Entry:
h=8 m=55
